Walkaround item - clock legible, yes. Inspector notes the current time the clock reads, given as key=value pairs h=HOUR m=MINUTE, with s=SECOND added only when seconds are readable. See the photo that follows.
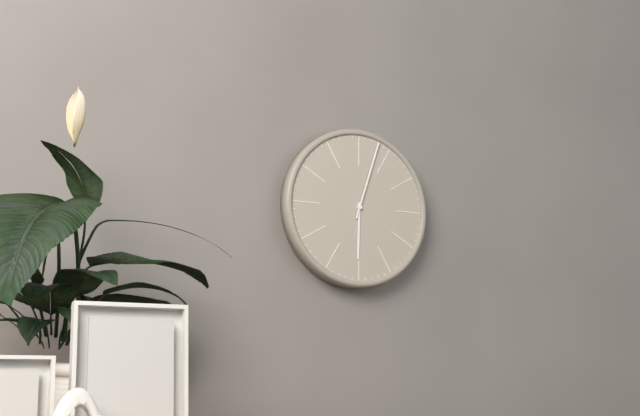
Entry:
h=6 m=3
